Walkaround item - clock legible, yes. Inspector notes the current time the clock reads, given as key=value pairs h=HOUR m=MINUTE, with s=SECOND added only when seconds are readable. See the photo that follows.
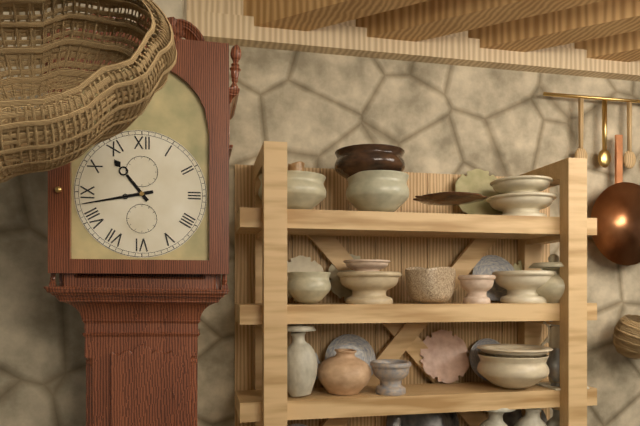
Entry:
h=10 m=43
